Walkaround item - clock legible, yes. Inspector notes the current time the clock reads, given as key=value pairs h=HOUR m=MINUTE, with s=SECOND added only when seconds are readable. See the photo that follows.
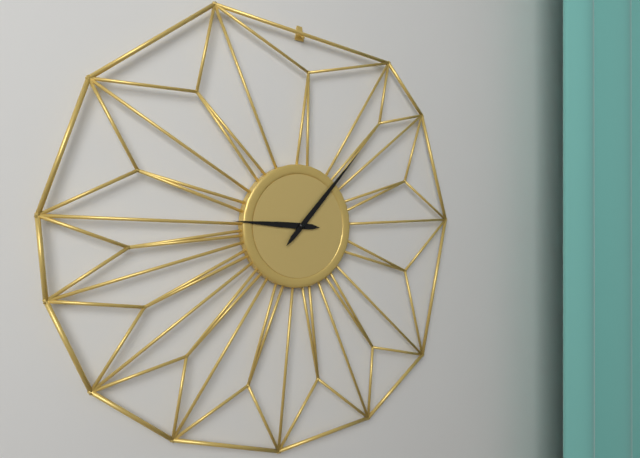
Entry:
h=9 m=7
